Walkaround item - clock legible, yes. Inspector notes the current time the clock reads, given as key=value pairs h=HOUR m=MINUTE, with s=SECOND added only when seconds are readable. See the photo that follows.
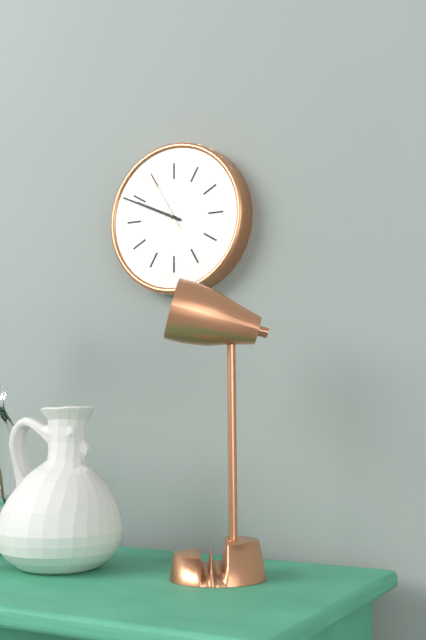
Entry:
h=9 m=49 s=55
